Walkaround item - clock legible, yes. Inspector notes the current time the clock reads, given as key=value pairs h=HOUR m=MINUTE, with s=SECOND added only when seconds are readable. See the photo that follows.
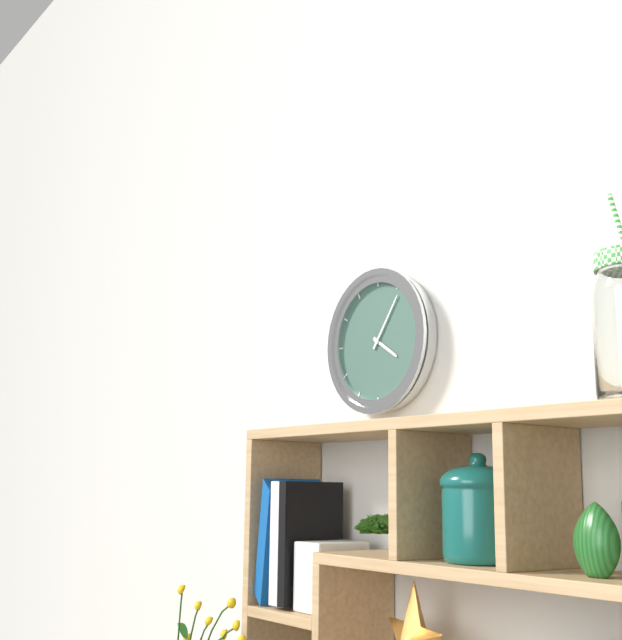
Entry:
h=4 m=6
